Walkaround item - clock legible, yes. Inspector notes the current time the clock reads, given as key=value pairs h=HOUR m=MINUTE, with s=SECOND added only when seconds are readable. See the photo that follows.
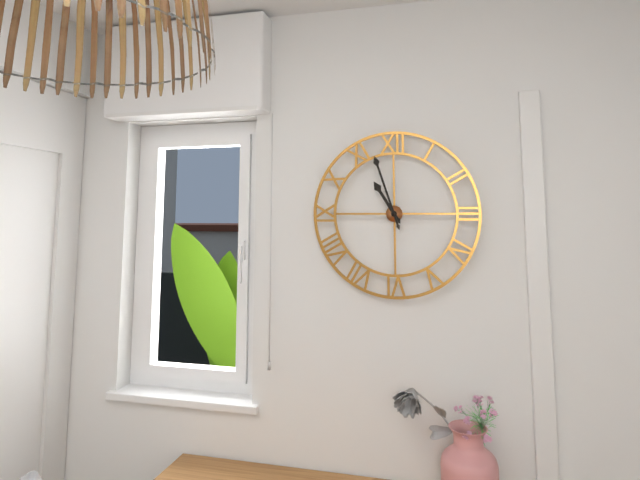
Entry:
h=10 m=57
